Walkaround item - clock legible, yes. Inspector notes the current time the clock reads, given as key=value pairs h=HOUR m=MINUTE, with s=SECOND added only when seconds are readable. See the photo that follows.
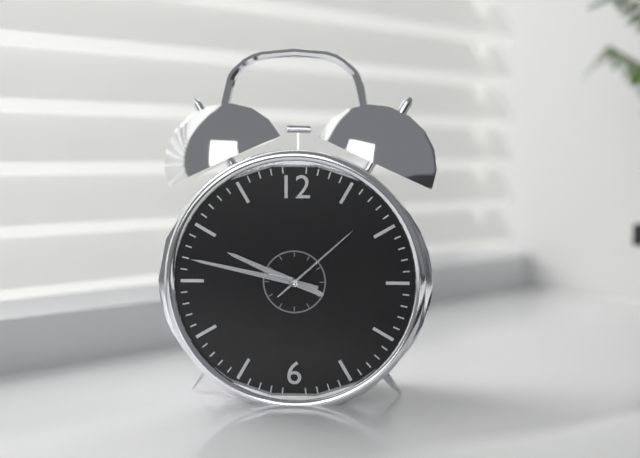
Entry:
h=9 m=47 s=8
